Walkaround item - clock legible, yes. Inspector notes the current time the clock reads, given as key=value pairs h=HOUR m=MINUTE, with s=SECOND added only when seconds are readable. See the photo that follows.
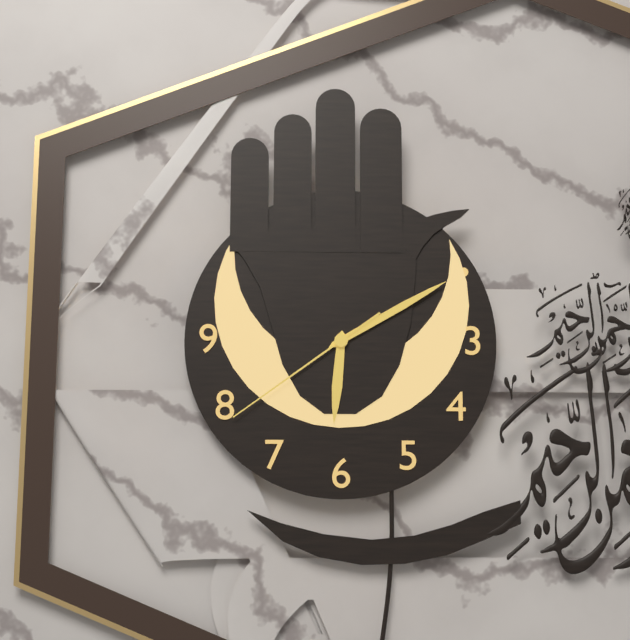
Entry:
h=6 m=10 s=39
